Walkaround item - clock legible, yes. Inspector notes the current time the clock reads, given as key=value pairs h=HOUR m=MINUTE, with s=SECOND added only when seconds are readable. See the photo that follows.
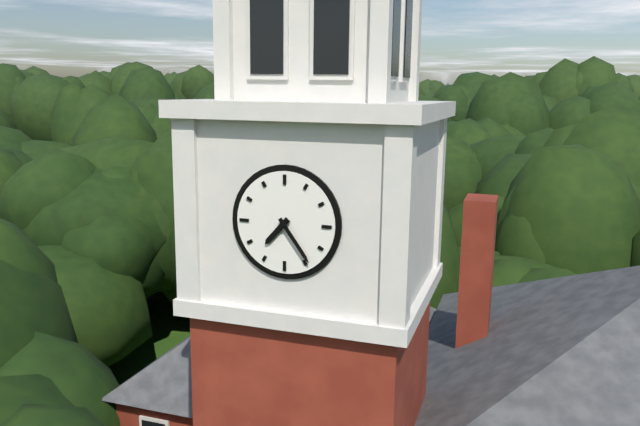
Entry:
h=7 m=24
